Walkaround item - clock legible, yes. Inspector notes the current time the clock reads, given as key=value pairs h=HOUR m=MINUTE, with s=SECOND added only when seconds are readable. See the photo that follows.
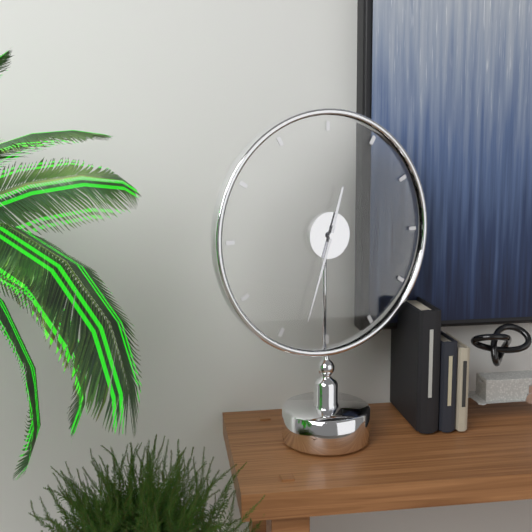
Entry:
h=12 m=33
